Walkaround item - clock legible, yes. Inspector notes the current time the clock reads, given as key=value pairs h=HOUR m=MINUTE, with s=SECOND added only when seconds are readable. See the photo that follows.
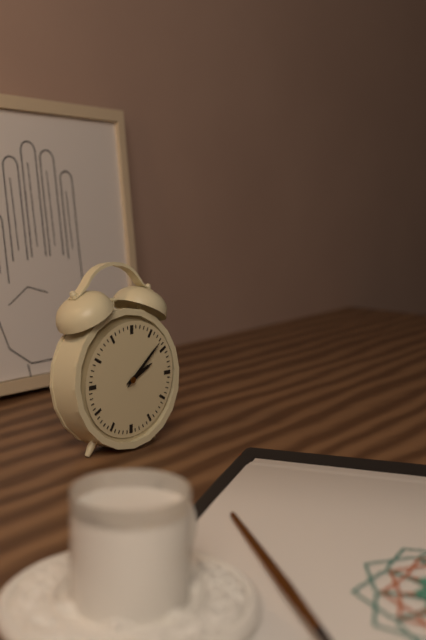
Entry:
h=2 m=8
